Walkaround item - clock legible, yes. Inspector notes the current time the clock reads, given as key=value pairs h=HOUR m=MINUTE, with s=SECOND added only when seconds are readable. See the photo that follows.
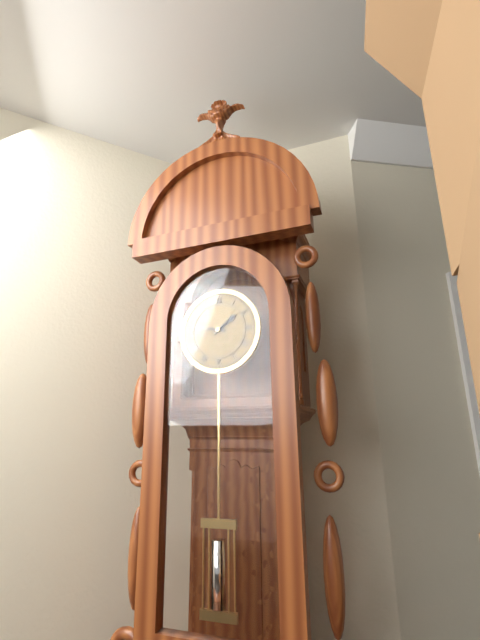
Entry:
h=1 m=47
